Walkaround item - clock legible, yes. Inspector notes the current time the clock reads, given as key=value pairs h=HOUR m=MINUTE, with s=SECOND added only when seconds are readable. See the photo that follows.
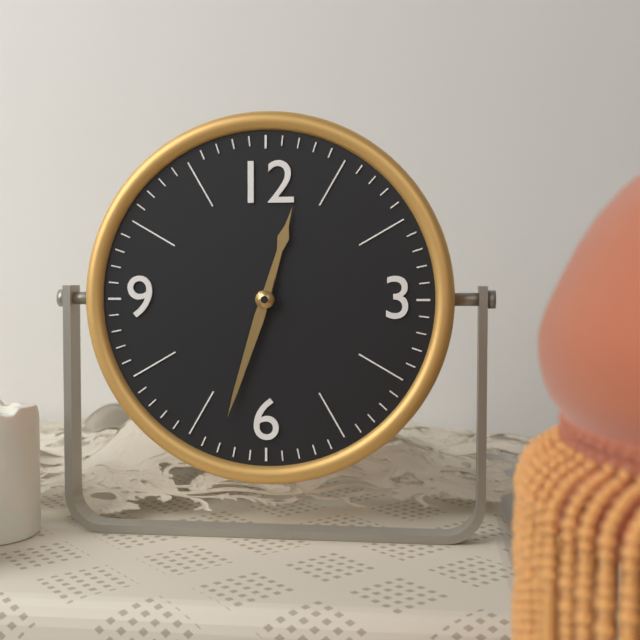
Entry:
h=12 m=33
